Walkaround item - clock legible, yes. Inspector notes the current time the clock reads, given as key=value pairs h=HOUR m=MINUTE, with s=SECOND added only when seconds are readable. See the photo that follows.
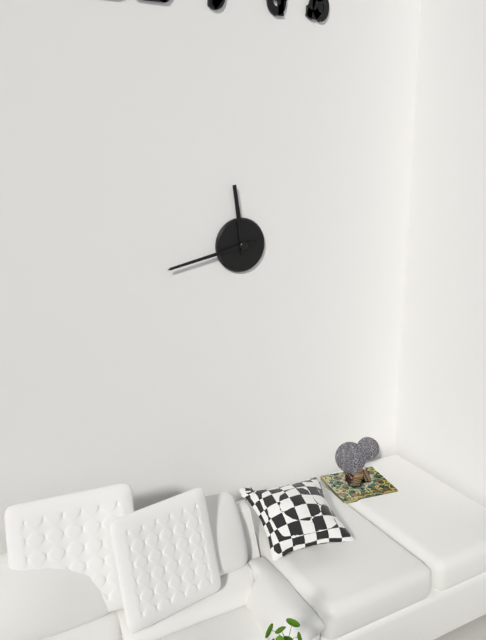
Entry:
h=11 m=43 s=43
